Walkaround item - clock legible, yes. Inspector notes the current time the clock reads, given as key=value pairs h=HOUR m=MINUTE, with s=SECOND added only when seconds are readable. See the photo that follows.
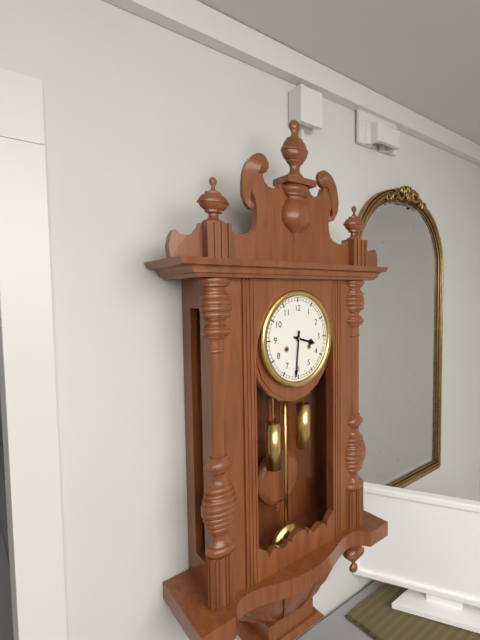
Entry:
h=3 m=31
